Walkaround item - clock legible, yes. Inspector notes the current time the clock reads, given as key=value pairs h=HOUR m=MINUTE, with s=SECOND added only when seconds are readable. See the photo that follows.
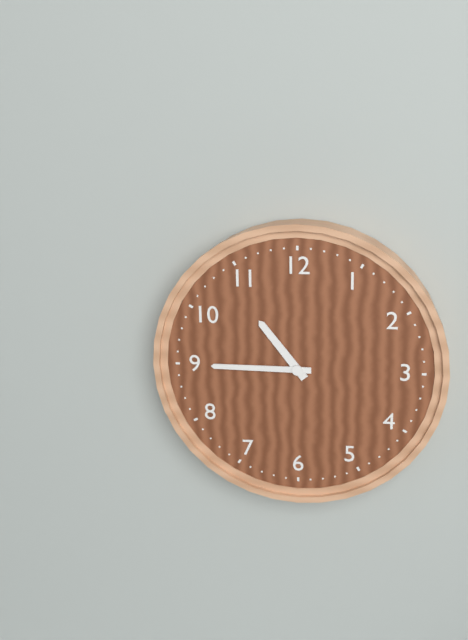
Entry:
h=10 m=45
